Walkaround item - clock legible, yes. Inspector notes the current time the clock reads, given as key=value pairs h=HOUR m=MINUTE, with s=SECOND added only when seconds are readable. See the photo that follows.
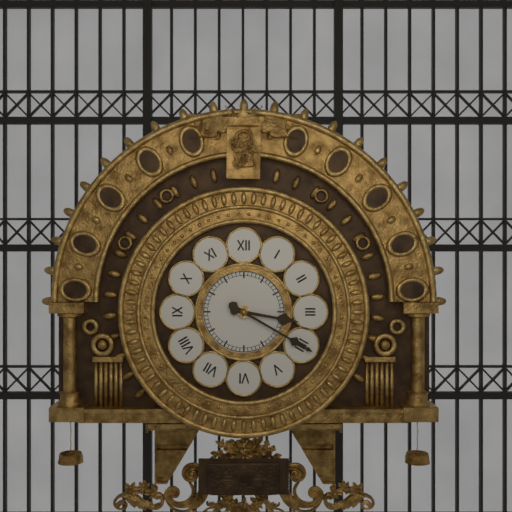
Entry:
h=3 m=20
